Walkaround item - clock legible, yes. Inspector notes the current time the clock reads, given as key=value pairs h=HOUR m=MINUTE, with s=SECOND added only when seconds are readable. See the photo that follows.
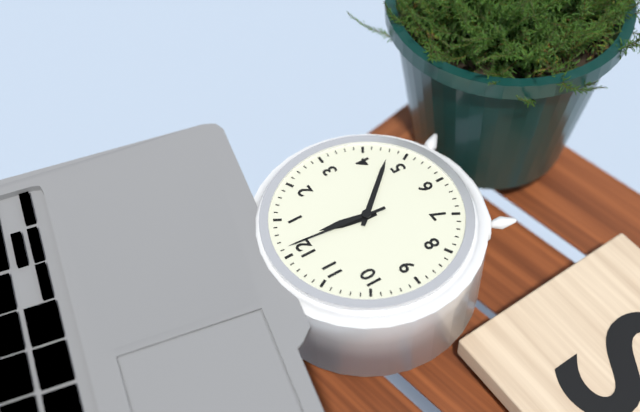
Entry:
h=12 m=23 s=1
